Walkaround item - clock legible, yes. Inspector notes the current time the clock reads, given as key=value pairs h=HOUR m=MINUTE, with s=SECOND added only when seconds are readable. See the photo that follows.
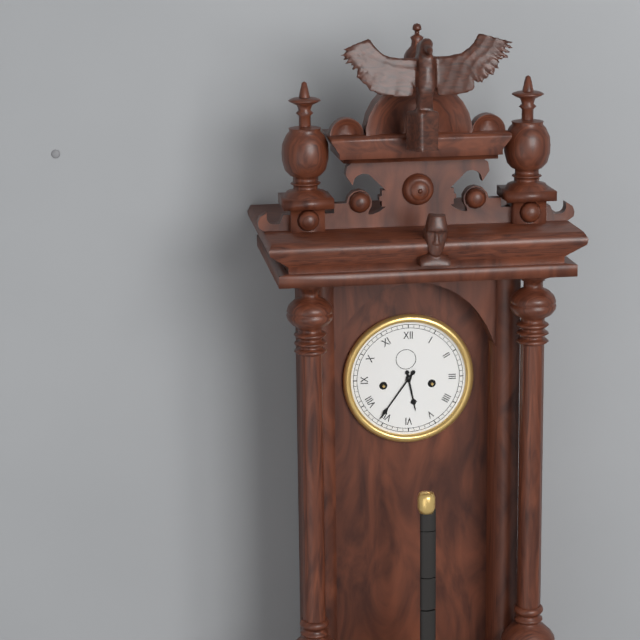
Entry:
h=5 m=36
